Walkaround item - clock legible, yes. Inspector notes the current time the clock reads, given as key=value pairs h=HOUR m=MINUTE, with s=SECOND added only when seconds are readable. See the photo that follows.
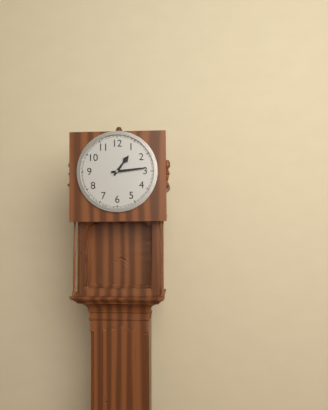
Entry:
h=1 m=14
